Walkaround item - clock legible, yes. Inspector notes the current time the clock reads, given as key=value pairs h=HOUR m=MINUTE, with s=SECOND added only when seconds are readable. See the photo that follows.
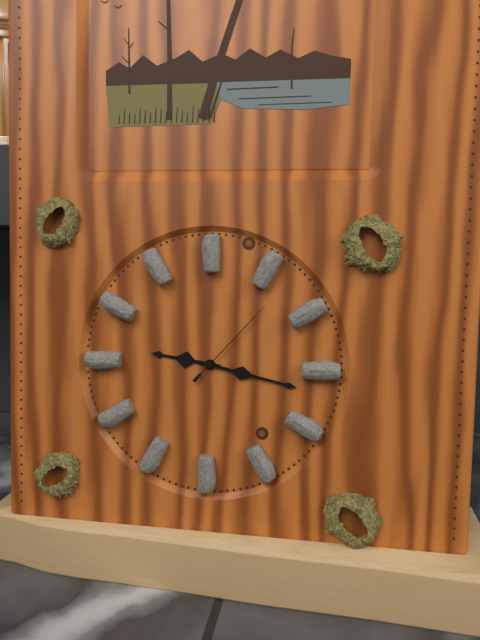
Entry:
h=9 m=17 s=7
